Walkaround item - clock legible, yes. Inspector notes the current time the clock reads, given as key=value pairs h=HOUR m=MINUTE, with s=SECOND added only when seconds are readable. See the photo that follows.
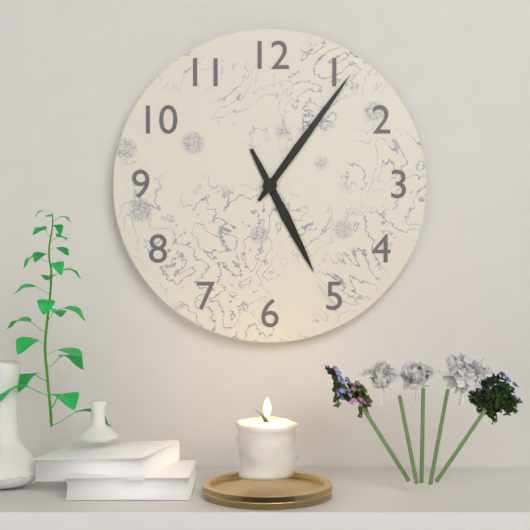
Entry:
h=5 m=6
